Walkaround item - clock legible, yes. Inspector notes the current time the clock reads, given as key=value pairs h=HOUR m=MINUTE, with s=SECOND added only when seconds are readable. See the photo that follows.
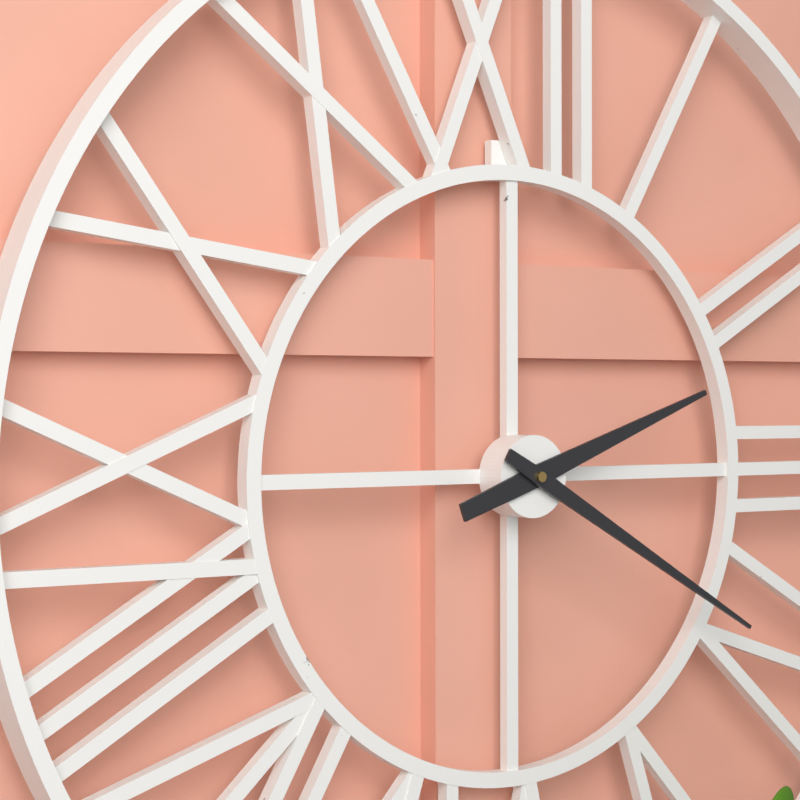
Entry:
h=2 m=20
